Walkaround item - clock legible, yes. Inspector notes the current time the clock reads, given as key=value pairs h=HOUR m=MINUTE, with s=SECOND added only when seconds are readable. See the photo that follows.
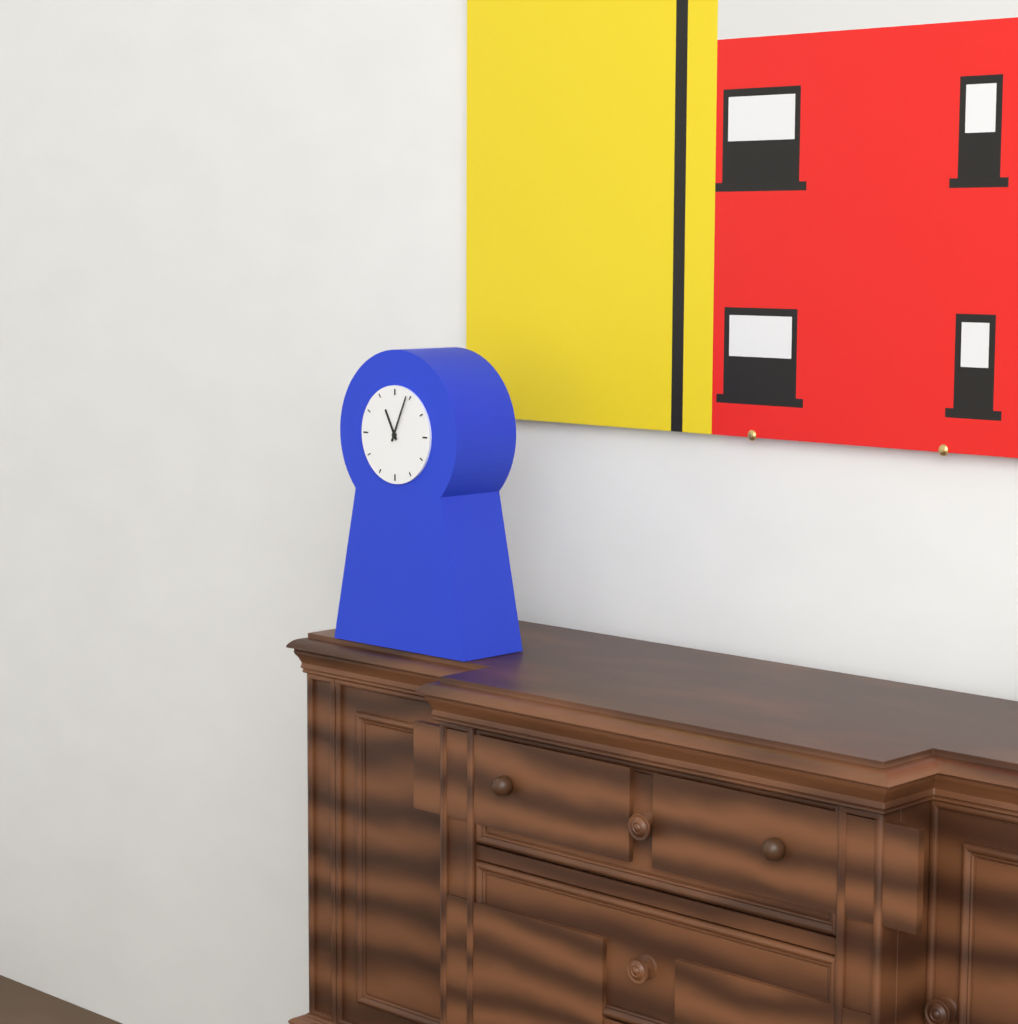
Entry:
h=11 m=4
